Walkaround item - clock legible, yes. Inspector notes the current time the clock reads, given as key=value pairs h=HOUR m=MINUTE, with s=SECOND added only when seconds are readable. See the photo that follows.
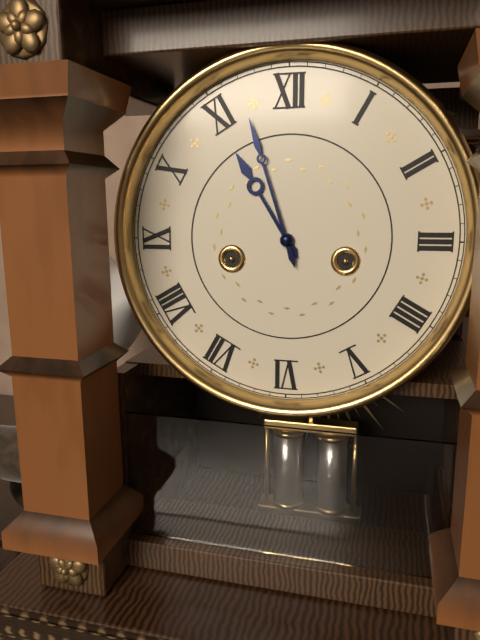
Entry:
h=10 m=57
